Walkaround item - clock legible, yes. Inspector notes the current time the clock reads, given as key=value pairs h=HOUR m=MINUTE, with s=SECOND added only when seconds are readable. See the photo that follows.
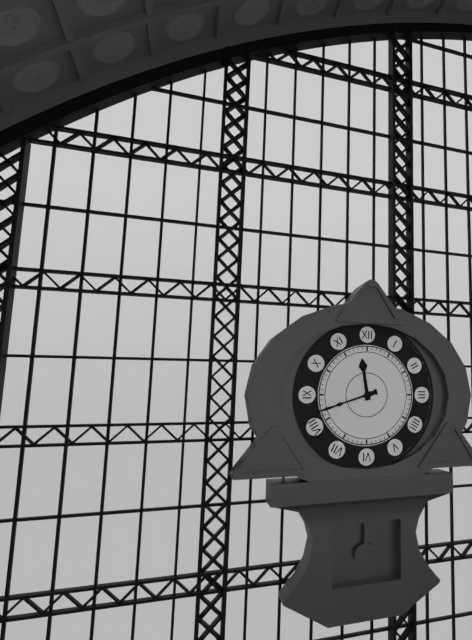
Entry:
h=11 m=42
